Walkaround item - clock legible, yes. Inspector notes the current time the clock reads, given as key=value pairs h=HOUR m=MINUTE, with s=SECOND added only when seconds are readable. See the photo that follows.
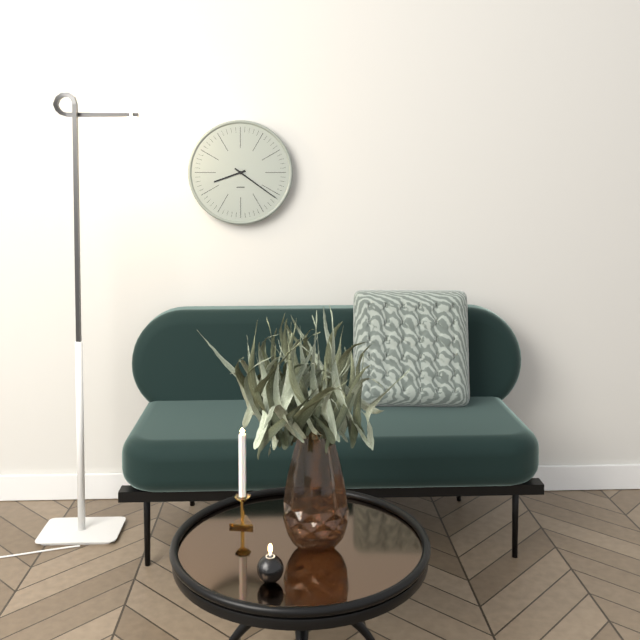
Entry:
h=8 m=21
